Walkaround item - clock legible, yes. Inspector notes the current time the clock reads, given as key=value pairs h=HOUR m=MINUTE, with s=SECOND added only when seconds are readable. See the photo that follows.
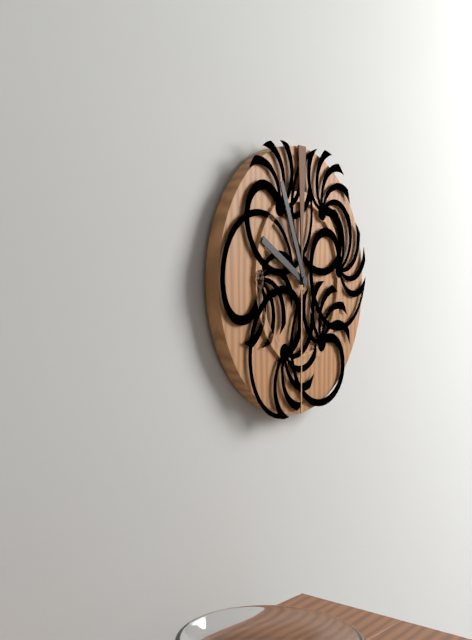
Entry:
h=9 m=56
